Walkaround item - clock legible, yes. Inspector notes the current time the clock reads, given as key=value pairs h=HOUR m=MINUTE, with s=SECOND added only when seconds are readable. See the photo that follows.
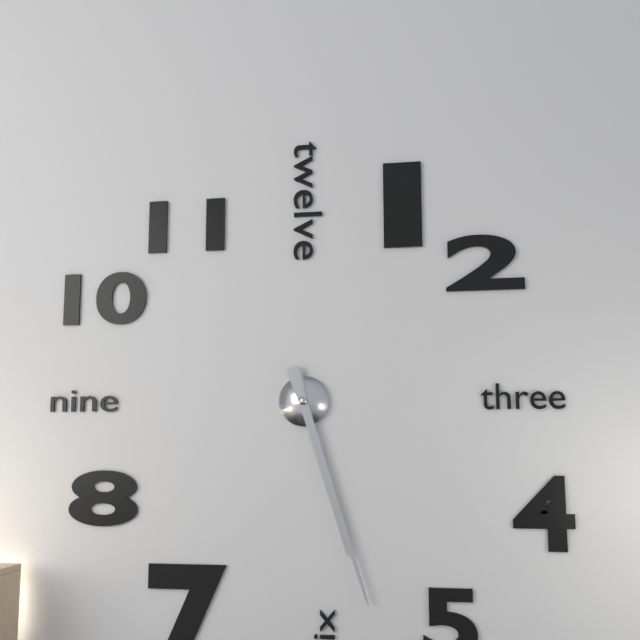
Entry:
h=5 m=27
